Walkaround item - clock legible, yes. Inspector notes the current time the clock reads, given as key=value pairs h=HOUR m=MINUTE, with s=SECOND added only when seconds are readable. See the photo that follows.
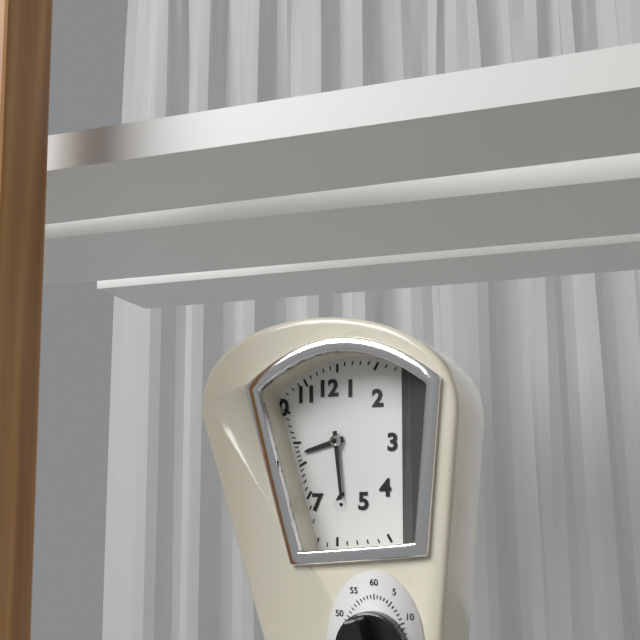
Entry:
h=8 m=29
